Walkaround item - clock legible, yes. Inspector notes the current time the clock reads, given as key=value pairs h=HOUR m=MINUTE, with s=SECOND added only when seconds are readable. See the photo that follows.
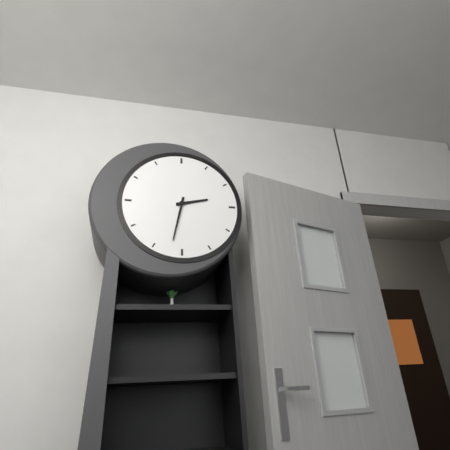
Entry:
h=2 m=32
